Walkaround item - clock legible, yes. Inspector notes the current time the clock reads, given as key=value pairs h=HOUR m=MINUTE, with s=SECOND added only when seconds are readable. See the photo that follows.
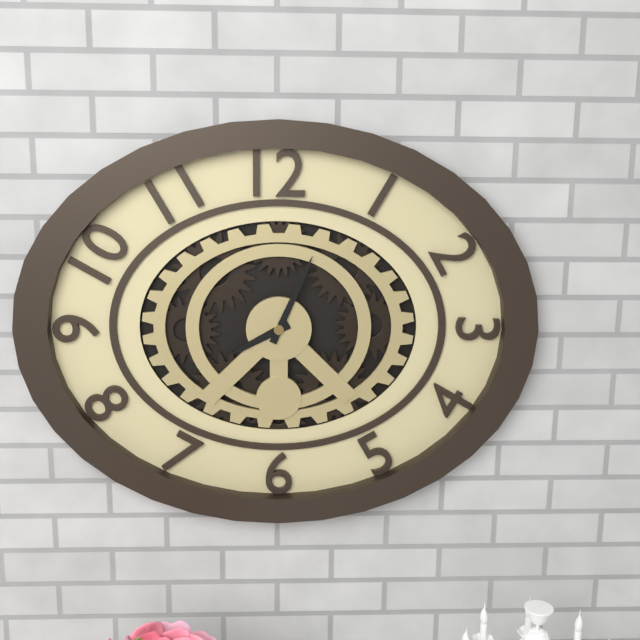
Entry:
h=8 m=4
